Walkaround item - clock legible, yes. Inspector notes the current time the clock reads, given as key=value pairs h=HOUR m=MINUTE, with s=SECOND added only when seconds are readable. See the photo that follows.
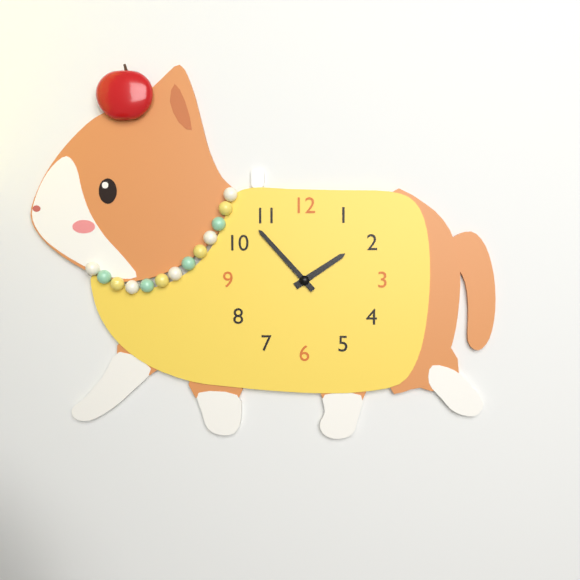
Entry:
h=1 m=53
